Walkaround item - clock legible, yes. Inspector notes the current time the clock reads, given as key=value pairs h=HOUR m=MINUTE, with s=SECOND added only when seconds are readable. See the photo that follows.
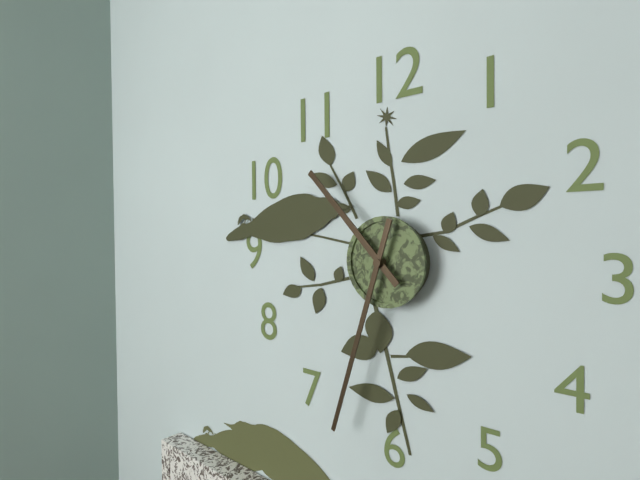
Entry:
h=10 m=33
